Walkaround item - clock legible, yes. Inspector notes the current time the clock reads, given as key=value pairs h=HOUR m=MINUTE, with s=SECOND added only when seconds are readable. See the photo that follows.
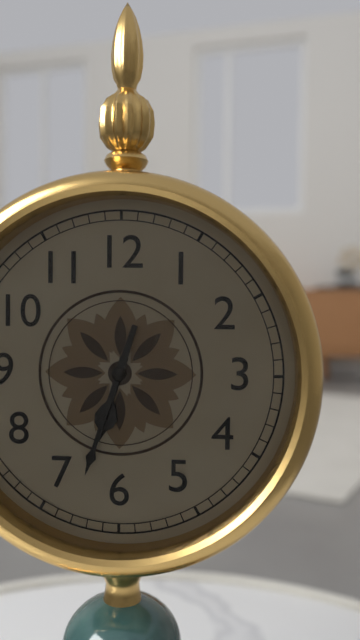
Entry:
h=6 m=33
